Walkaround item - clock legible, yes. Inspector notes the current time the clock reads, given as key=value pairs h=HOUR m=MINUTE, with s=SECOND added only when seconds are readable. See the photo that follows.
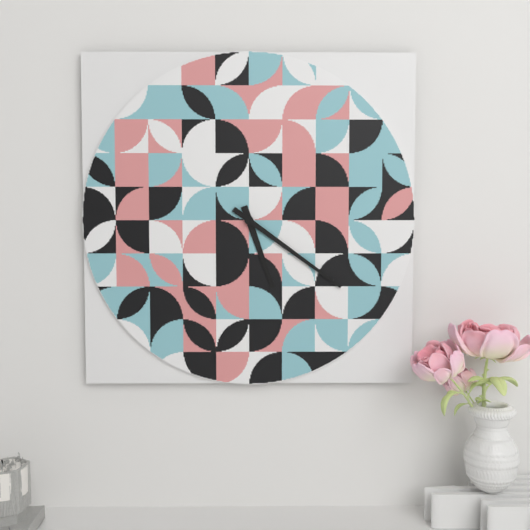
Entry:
h=5 m=21
